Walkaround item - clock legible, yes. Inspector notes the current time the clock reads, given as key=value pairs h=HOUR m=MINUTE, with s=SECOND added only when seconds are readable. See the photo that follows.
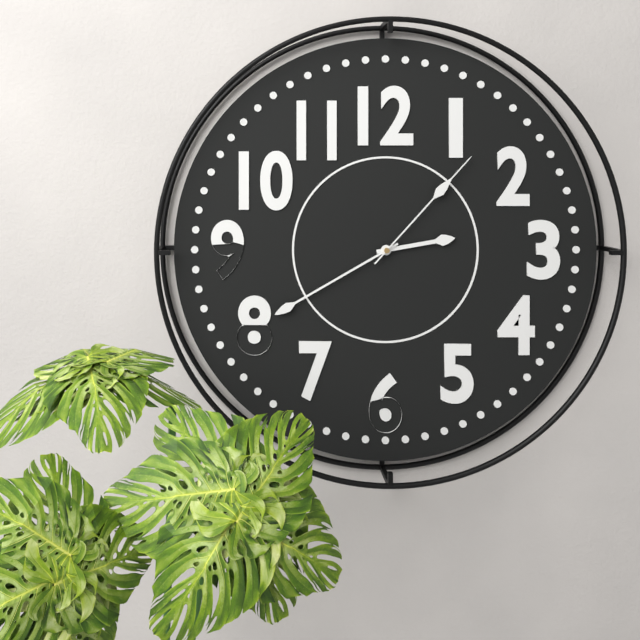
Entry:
h=2 m=40 s=7
